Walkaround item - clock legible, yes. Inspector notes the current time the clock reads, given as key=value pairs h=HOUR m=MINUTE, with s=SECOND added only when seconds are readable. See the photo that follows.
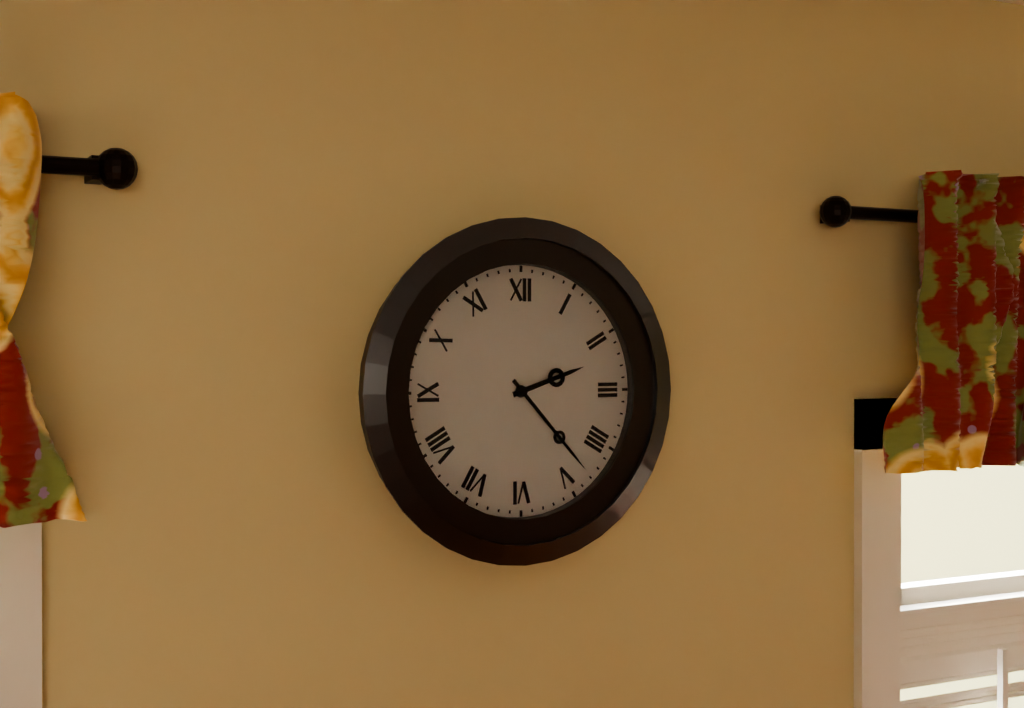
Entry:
h=2 m=23
